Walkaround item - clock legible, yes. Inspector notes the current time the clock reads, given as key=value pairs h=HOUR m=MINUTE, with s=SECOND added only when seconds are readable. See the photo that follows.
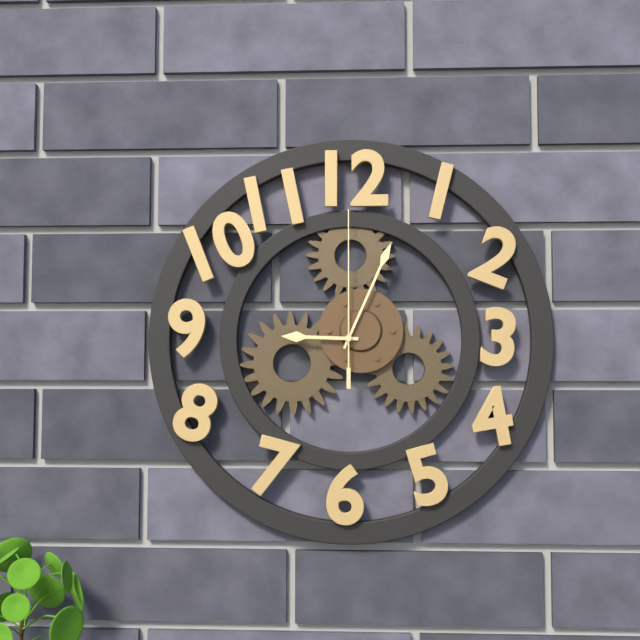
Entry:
h=9 m=4 s=0
